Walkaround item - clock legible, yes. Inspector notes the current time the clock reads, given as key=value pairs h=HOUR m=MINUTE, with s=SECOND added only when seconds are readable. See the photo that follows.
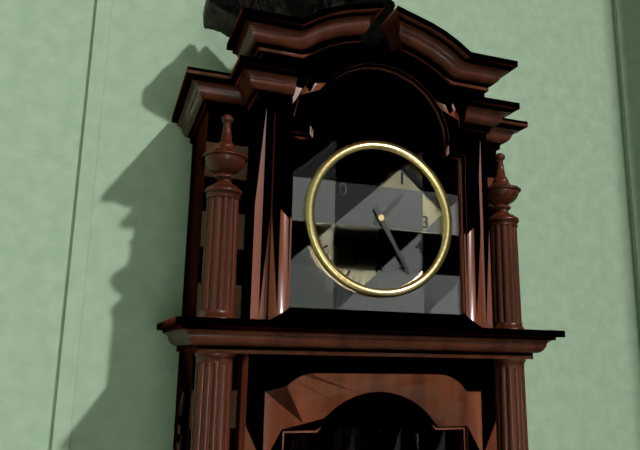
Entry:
h=1 m=25
